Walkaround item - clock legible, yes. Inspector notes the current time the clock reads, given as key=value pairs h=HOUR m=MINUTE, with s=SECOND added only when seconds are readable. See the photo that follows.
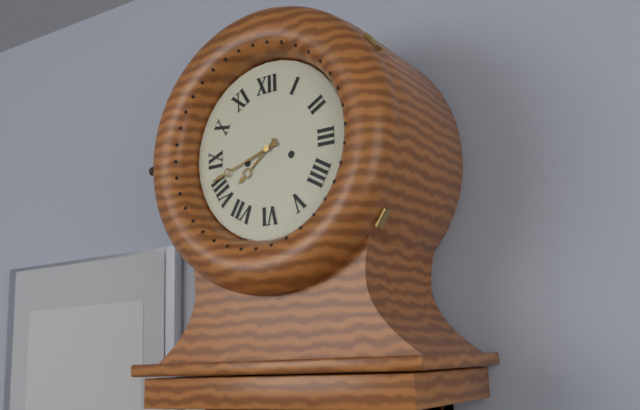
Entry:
h=7 m=42
